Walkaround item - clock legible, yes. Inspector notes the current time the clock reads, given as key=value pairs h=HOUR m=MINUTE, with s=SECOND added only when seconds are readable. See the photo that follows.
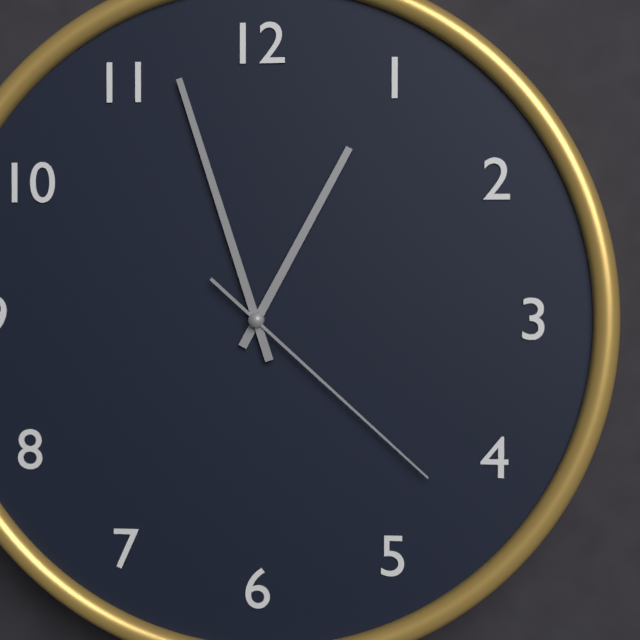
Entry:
h=12 m=57 s=22
